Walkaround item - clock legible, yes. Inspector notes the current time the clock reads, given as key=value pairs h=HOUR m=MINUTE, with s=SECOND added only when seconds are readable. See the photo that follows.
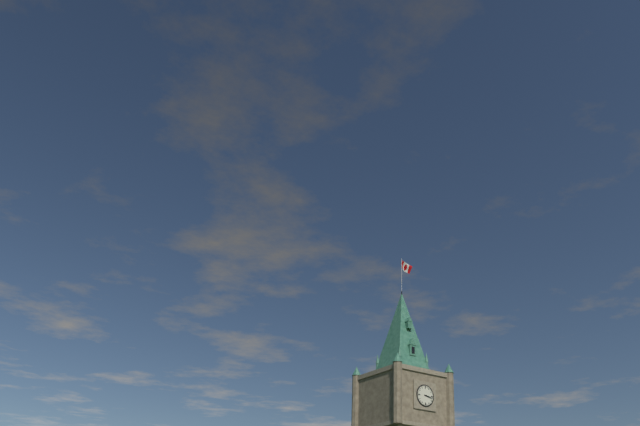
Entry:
h=3 m=17
